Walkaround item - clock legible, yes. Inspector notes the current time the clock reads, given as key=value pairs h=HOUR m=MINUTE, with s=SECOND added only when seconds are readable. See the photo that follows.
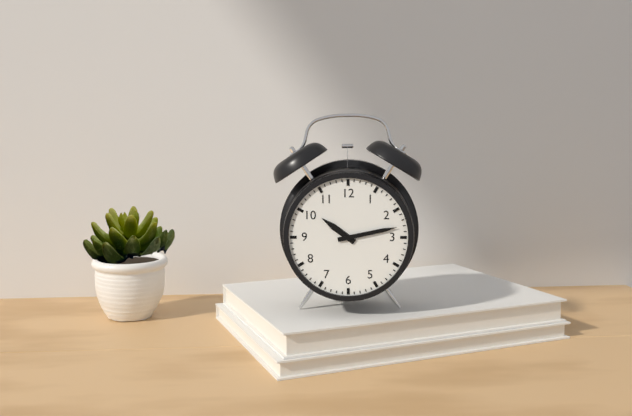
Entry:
h=10 m=13
